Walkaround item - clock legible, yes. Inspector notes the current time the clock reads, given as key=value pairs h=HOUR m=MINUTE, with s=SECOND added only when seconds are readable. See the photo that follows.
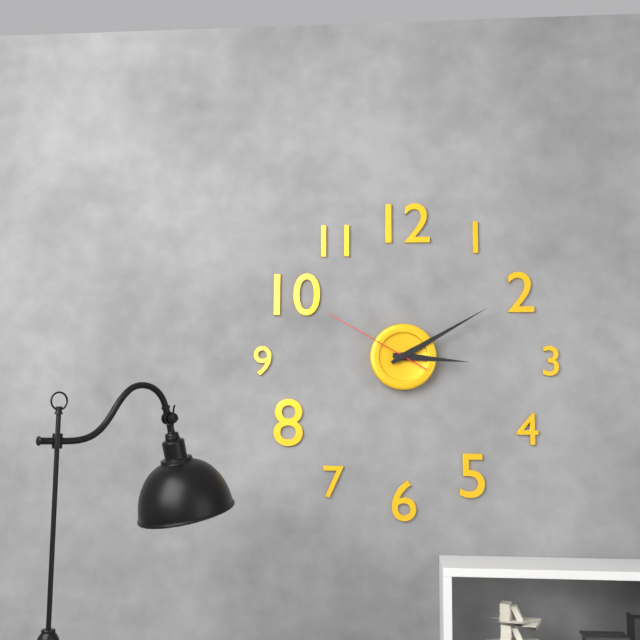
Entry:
h=3 m=10 s=50
